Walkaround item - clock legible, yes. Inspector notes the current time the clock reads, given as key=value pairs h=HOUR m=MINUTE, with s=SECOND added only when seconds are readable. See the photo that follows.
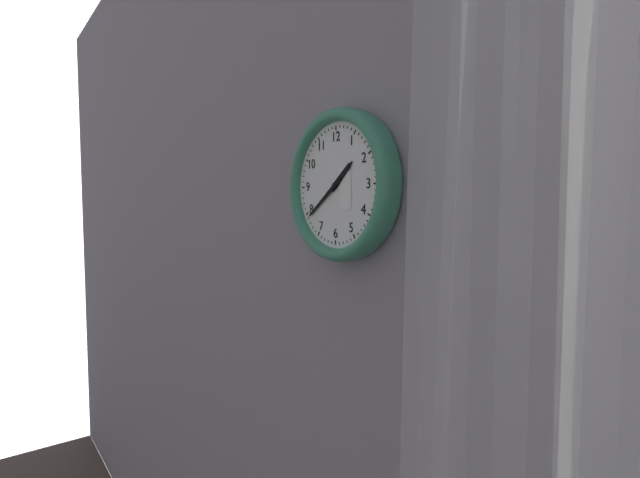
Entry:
h=1 m=39
